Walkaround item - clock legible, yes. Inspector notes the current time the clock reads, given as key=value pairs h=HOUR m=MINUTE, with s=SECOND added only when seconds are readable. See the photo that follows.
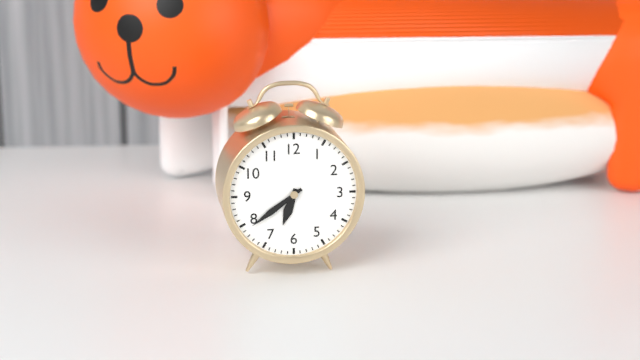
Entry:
h=6 m=39
